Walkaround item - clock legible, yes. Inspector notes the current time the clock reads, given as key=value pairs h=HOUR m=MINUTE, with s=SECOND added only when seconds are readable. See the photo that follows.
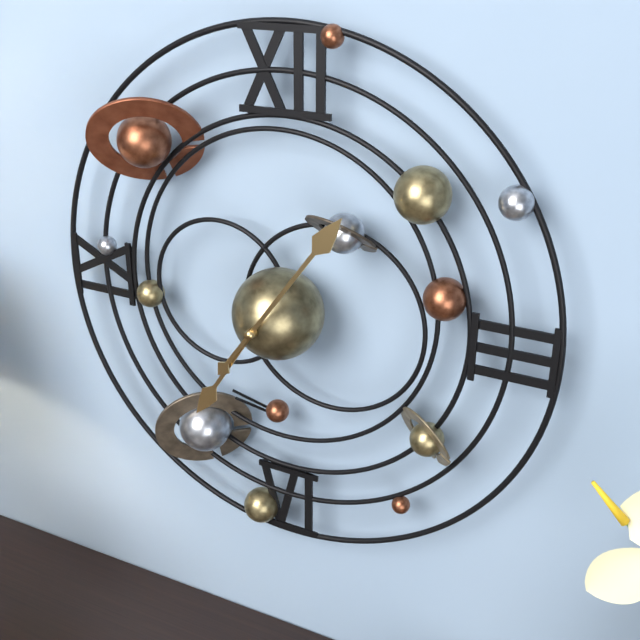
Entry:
h=7 m=6
